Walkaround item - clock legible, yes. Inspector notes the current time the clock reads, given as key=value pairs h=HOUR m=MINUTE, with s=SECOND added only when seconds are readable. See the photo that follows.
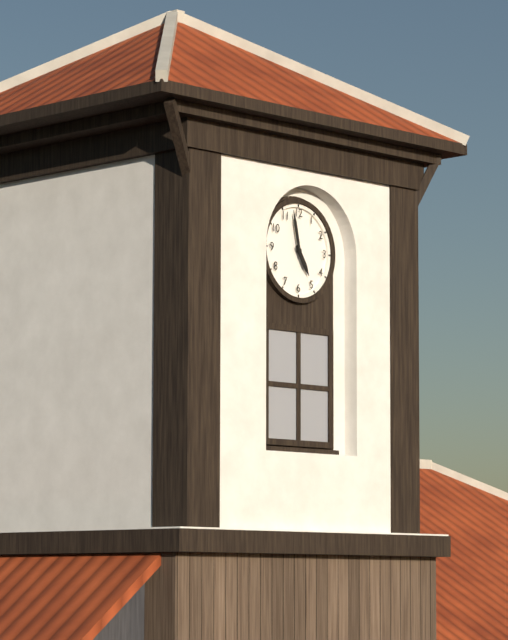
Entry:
h=4 m=58
